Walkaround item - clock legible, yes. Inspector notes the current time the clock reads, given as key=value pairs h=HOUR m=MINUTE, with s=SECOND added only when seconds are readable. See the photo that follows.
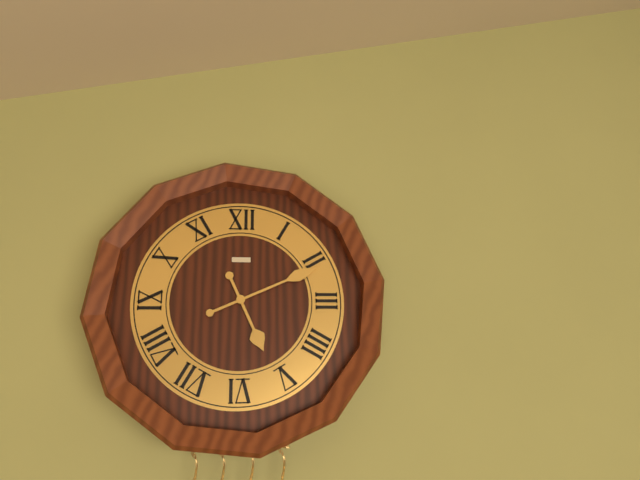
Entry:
h=5 m=11
